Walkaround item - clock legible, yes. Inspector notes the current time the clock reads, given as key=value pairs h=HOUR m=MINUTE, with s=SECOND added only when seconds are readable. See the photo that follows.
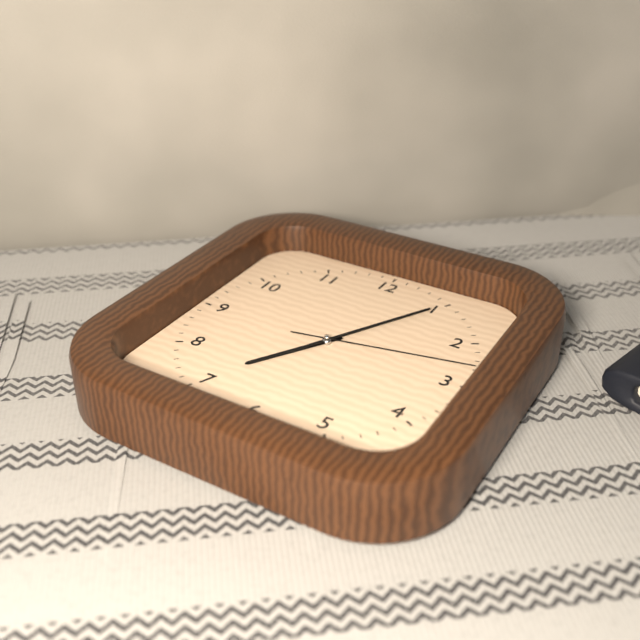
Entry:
h=7 m=5 s=13
